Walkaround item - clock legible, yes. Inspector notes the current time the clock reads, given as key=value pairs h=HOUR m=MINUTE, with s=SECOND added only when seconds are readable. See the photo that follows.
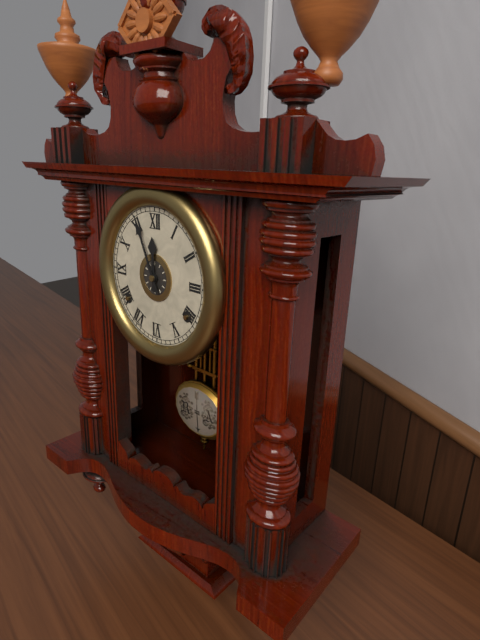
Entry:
h=11 m=56
